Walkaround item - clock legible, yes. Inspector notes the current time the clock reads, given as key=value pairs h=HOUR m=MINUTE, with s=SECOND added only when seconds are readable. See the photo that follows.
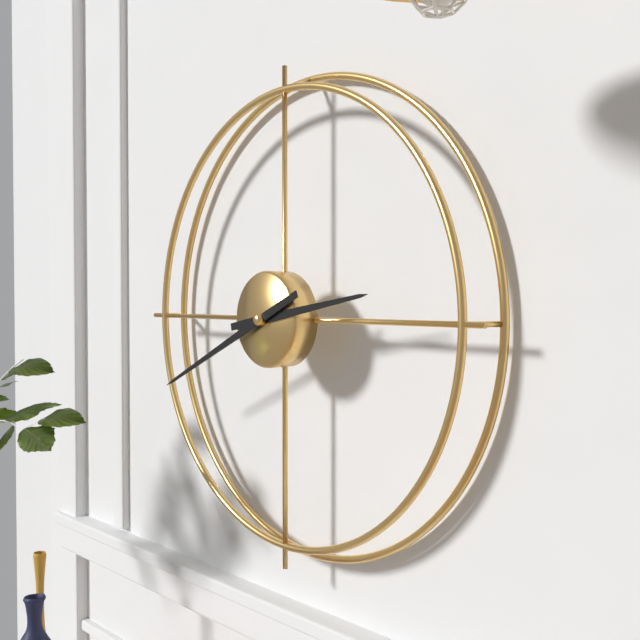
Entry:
h=2 m=41
